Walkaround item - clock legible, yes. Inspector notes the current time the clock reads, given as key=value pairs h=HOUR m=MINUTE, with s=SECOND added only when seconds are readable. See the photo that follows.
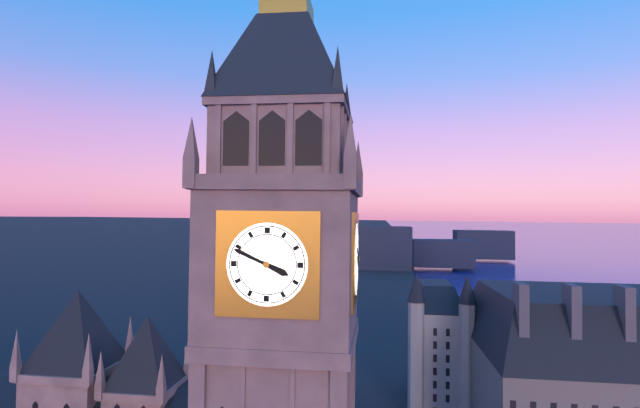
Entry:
h=3 m=49
